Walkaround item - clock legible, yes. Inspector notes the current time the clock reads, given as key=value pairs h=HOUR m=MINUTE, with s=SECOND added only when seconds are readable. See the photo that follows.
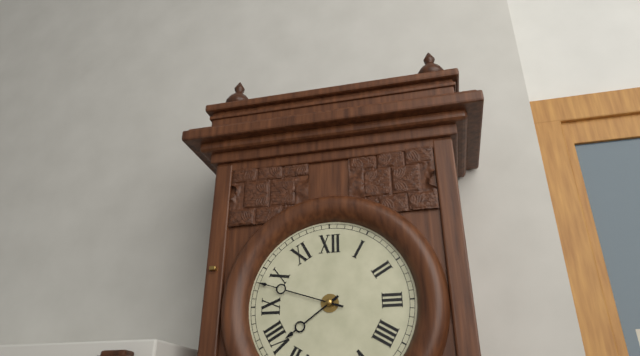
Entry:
h=7 m=48
